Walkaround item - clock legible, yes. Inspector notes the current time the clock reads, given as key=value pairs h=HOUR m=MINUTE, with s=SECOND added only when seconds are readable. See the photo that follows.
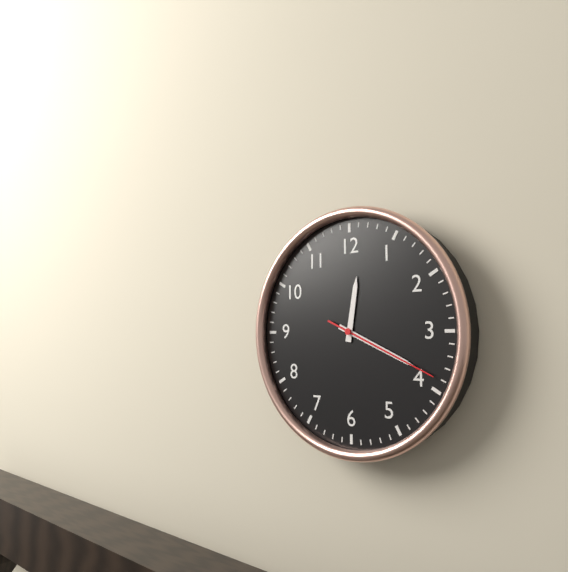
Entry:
h=12 m=19 s=19
